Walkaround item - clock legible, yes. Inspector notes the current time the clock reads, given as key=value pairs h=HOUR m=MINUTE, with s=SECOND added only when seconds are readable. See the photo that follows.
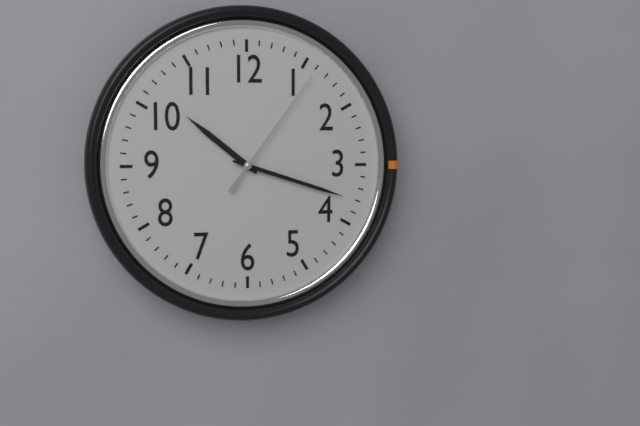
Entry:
h=10 m=18 s=6
